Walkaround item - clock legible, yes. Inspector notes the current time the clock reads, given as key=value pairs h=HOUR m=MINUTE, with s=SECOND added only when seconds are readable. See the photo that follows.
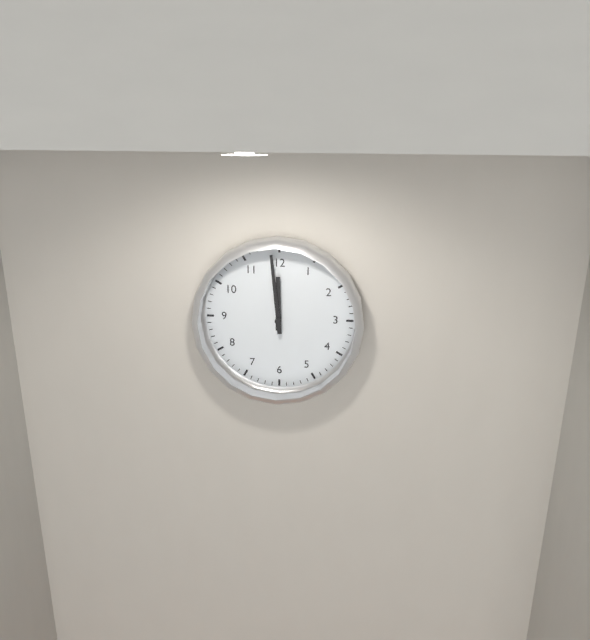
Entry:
h=11 m=59
